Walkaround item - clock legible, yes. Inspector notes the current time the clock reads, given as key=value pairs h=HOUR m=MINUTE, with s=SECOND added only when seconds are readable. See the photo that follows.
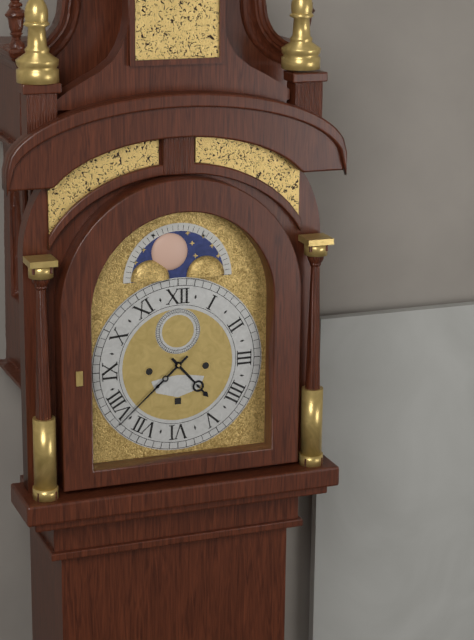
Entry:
h=4 m=38
